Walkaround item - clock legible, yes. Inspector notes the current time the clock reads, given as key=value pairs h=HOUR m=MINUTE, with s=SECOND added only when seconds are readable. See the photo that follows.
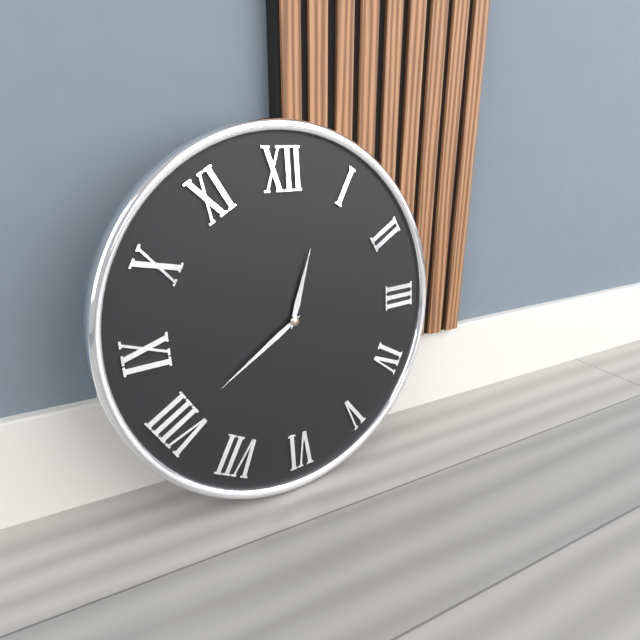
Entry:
h=12 m=40
